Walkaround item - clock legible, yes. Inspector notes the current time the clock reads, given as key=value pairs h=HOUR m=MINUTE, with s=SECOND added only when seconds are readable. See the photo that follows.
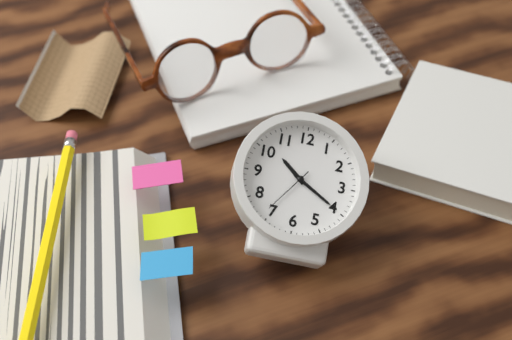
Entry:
h=10 m=20 s=36
